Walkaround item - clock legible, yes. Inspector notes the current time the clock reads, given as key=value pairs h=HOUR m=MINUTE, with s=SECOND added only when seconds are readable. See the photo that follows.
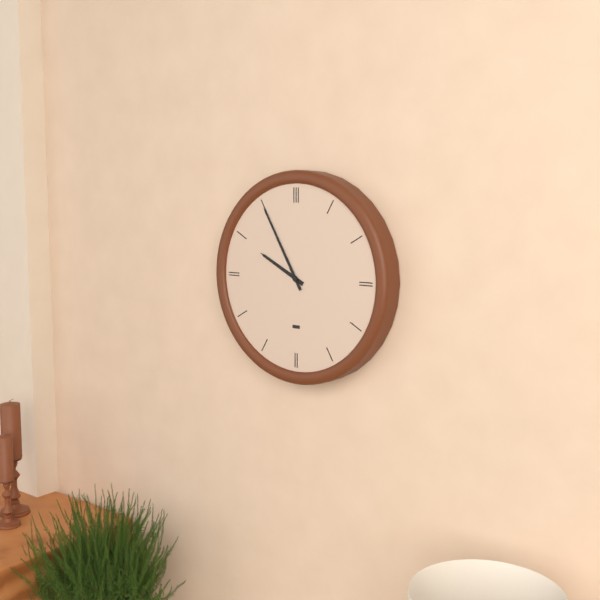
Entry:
h=9 m=55
